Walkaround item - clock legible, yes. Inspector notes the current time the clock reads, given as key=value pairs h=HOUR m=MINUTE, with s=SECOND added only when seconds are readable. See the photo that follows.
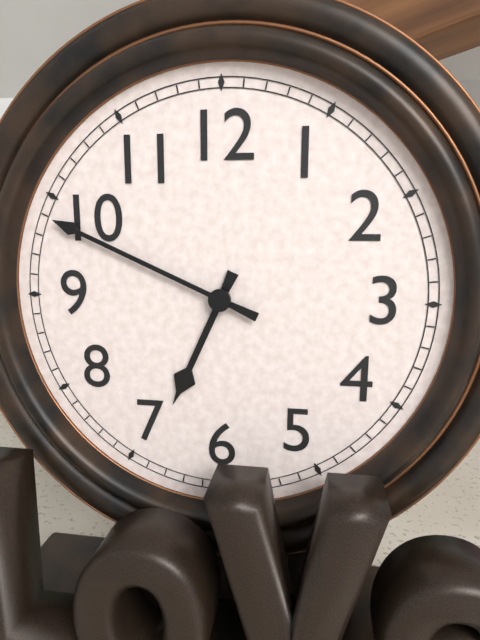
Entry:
h=6 m=49
